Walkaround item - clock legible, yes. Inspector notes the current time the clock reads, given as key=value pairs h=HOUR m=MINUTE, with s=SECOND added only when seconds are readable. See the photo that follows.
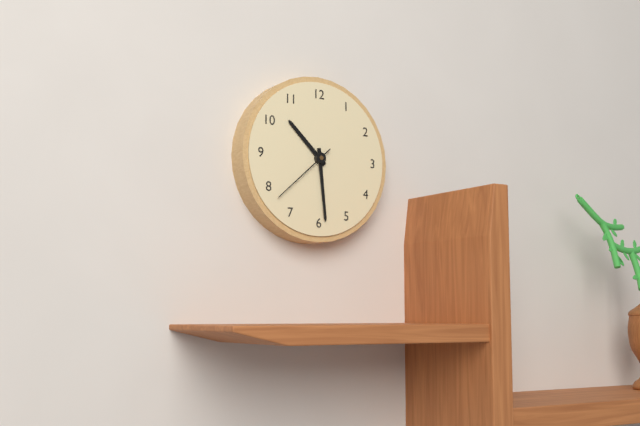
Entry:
h=10 m=29 s=38
